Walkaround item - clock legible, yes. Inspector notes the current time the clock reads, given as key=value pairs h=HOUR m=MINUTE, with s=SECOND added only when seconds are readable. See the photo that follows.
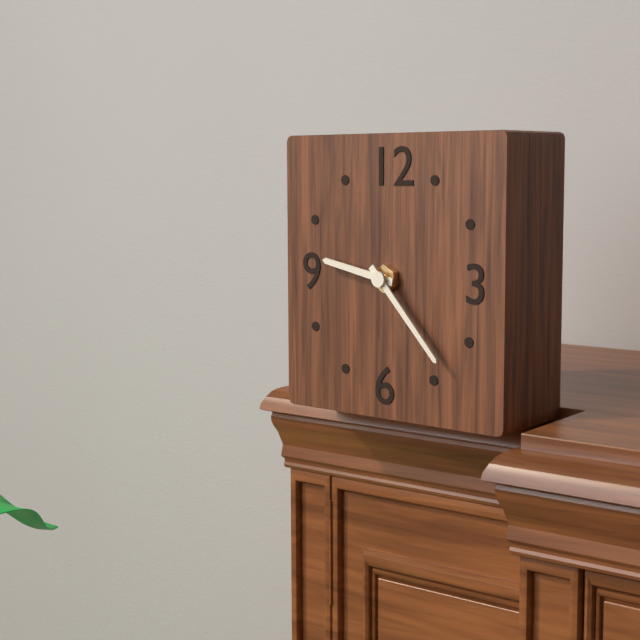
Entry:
h=9 m=23
